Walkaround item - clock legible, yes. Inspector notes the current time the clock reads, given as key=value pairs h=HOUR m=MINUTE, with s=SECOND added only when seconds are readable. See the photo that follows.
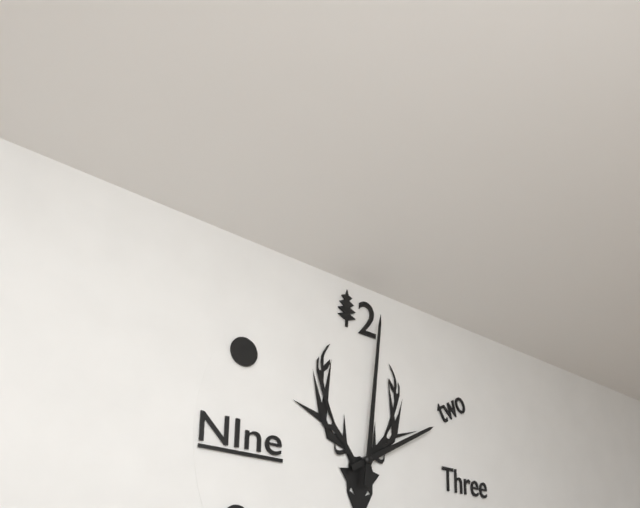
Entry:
h=2 m=1
